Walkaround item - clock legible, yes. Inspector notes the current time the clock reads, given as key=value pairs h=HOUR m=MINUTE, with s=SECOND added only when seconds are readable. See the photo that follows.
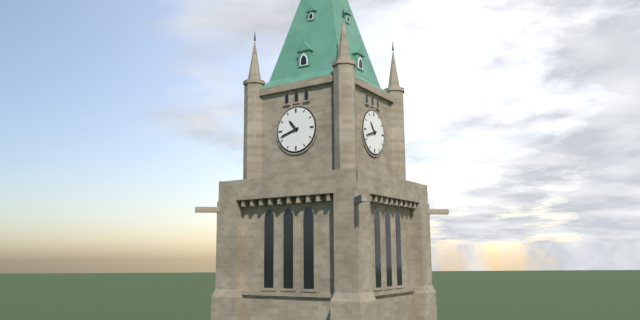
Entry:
h=10 m=42
